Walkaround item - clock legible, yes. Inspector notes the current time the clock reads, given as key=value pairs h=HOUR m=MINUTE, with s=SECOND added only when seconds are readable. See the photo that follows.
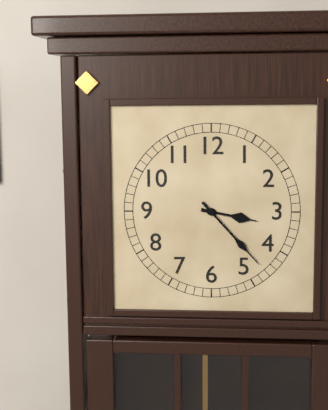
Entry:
h=3 m=23
